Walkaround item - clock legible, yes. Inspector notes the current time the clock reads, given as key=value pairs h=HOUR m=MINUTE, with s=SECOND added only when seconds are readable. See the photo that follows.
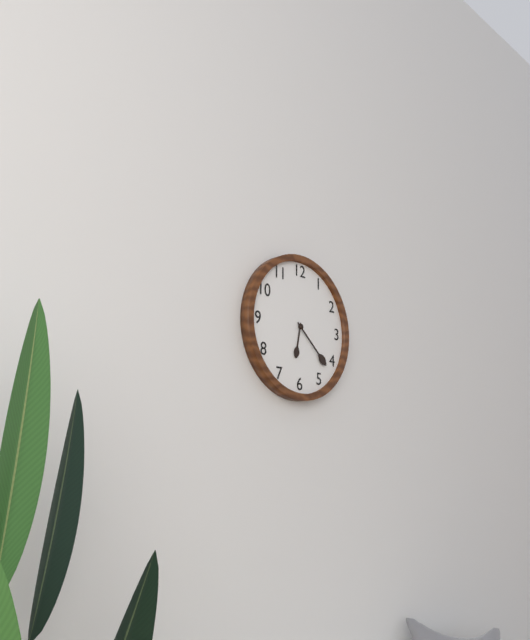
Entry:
h=6 m=22
